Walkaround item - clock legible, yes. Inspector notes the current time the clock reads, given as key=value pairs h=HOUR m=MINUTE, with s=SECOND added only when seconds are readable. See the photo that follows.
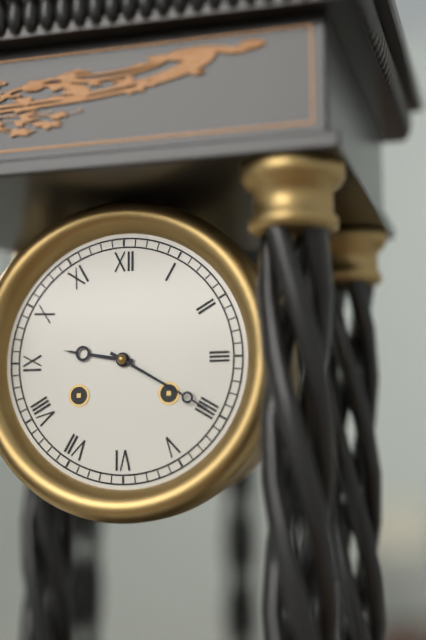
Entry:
h=9 m=20
